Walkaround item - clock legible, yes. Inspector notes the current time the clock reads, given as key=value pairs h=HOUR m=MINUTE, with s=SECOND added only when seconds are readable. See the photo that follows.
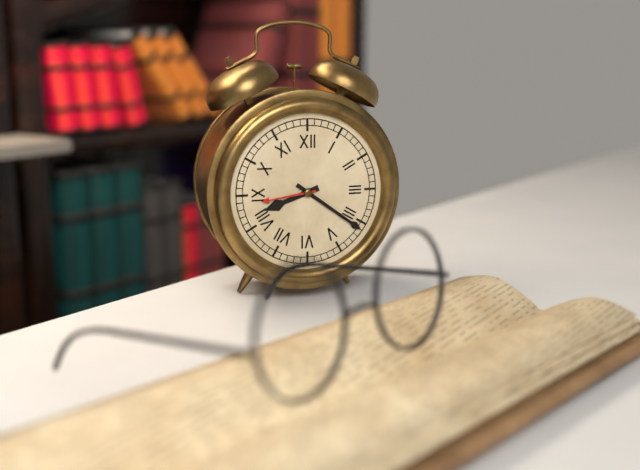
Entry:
h=8 m=21
